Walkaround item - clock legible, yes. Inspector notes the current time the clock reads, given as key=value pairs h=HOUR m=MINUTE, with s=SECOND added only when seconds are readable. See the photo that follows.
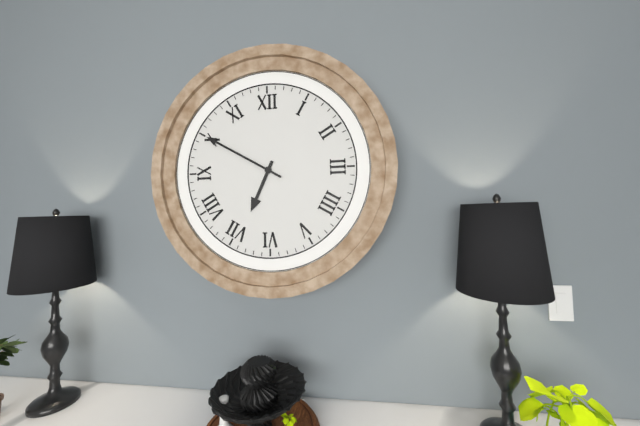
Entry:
h=6 m=50
